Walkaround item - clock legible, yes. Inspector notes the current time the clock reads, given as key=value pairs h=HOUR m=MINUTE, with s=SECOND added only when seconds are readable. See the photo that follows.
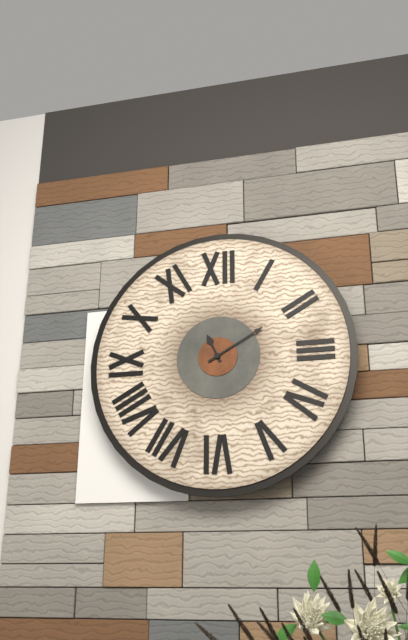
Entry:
h=11 m=10
